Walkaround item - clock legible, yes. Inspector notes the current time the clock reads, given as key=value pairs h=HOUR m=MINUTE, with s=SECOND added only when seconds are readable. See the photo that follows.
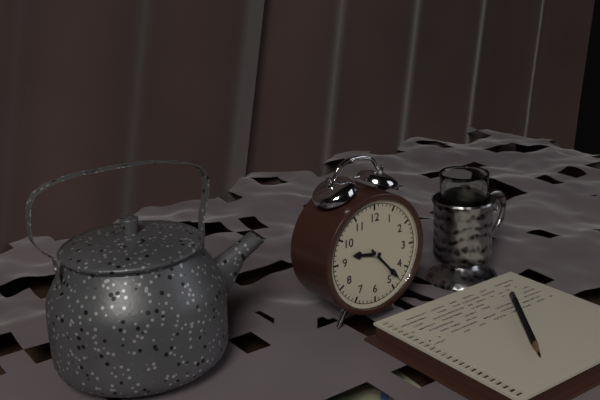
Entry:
h=9 m=23
